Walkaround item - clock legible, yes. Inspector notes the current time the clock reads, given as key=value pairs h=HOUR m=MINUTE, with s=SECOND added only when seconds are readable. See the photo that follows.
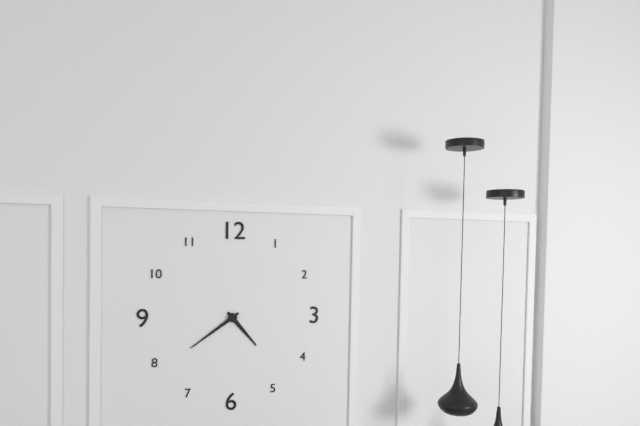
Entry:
h=4 m=39
